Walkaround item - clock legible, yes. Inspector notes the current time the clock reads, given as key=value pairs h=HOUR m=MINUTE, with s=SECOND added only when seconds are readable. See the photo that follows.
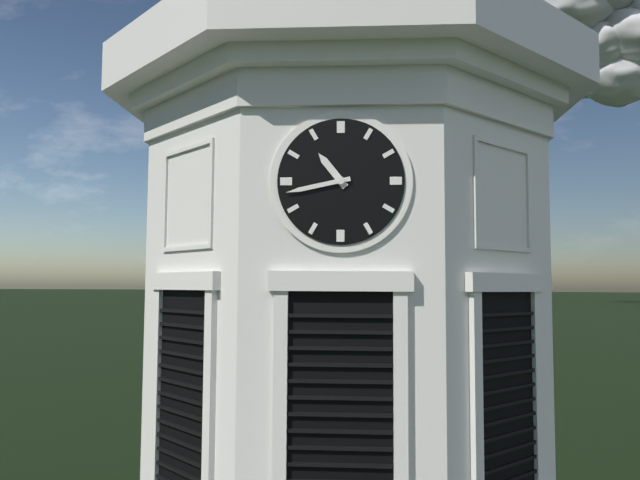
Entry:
h=10 m=43
